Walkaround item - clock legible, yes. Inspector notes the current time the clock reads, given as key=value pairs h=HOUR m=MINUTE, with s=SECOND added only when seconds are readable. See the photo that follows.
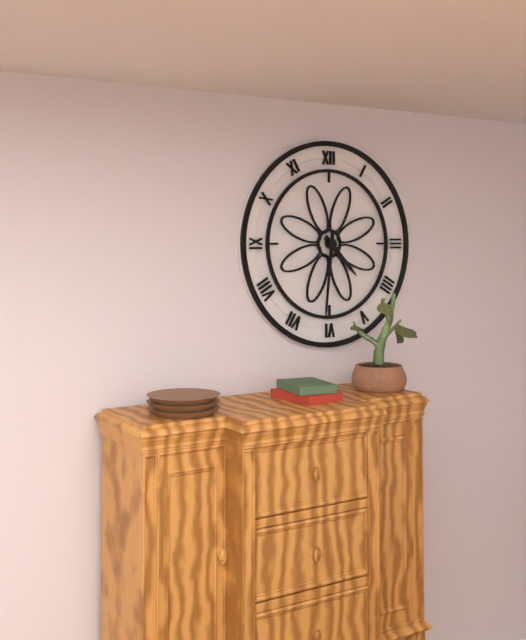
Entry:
h=4 m=31
